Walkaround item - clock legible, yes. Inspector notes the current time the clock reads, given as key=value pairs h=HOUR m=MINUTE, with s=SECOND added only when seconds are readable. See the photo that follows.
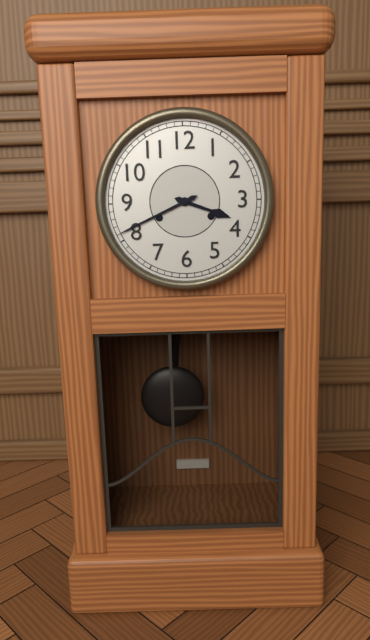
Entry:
h=3 m=41
